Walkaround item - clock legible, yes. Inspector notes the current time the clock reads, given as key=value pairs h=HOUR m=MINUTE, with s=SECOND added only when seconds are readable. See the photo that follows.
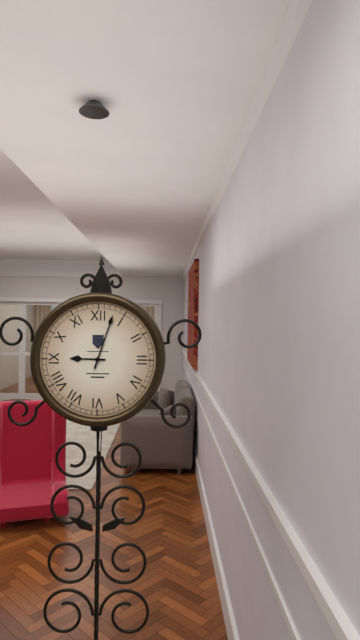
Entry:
h=9 m=3
